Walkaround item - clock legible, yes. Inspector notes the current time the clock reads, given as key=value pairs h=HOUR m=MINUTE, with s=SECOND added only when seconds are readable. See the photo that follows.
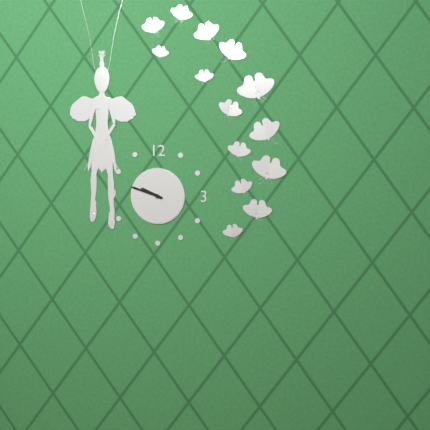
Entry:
h=9 m=48
